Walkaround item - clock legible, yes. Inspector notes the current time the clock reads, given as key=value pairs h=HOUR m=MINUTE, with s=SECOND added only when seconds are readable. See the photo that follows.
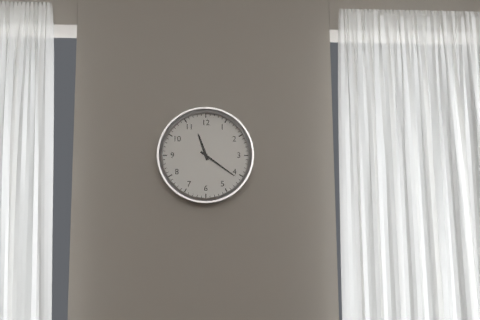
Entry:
h=11 m=21
